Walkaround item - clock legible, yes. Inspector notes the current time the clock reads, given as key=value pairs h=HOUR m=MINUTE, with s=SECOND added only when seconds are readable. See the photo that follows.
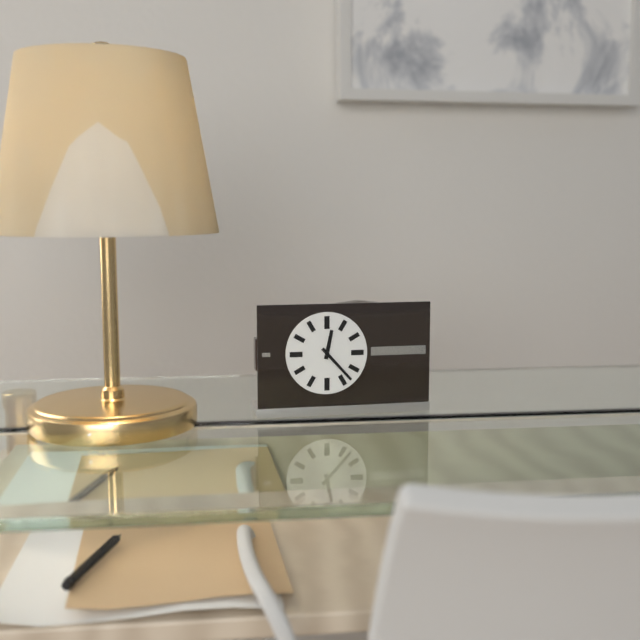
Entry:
h=12 m=23
